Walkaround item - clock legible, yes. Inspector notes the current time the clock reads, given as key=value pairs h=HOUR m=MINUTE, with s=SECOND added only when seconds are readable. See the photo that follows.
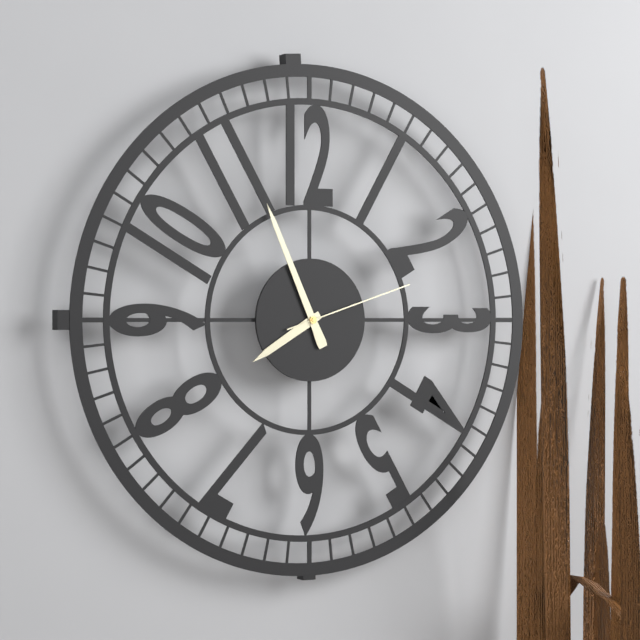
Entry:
h=7 m=56 s=12
